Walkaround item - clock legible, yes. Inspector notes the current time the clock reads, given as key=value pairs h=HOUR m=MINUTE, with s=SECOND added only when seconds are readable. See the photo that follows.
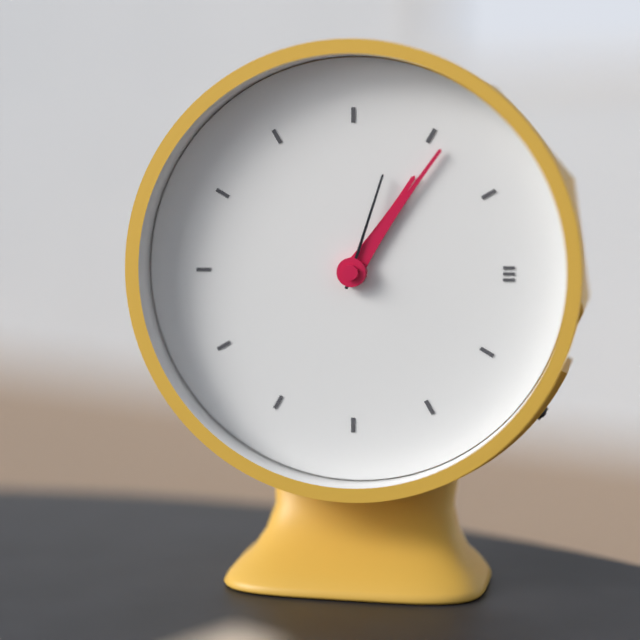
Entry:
h=1 m=6 s=3
